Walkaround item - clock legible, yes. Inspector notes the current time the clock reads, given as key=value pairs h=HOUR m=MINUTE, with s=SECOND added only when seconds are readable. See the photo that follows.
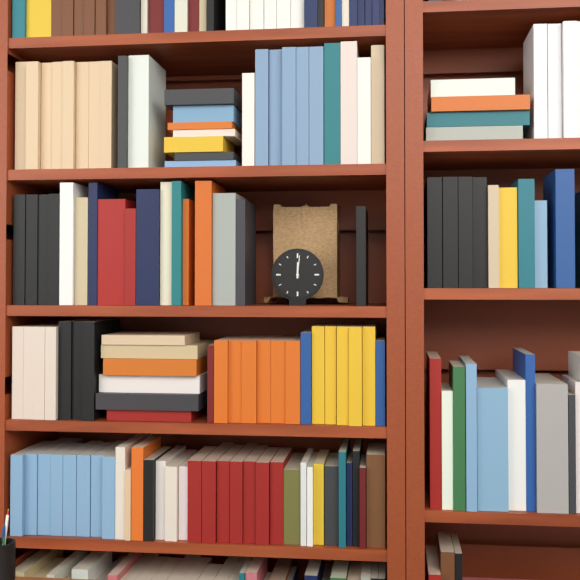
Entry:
h=12 m=1
